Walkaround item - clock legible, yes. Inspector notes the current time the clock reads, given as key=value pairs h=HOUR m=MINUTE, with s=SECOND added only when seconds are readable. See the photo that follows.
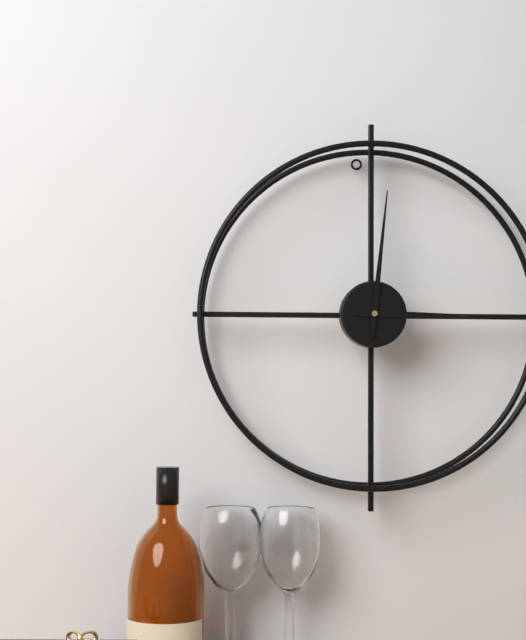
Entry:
h=3 m=1
